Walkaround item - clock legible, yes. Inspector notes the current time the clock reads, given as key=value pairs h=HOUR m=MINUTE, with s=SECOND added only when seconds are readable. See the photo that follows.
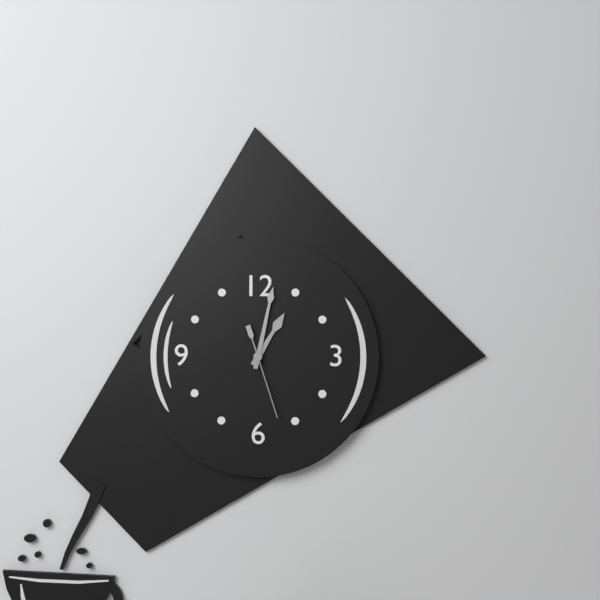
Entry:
h=1 m=2 s=27
